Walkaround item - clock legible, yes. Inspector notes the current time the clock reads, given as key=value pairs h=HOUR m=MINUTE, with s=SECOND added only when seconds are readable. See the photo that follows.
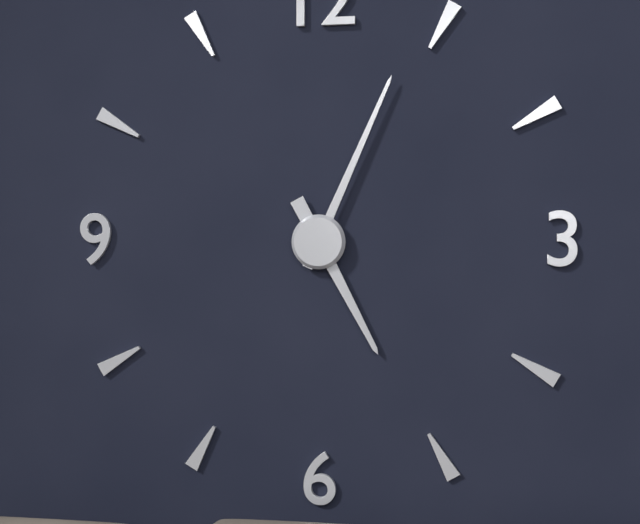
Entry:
h=5 m=4
